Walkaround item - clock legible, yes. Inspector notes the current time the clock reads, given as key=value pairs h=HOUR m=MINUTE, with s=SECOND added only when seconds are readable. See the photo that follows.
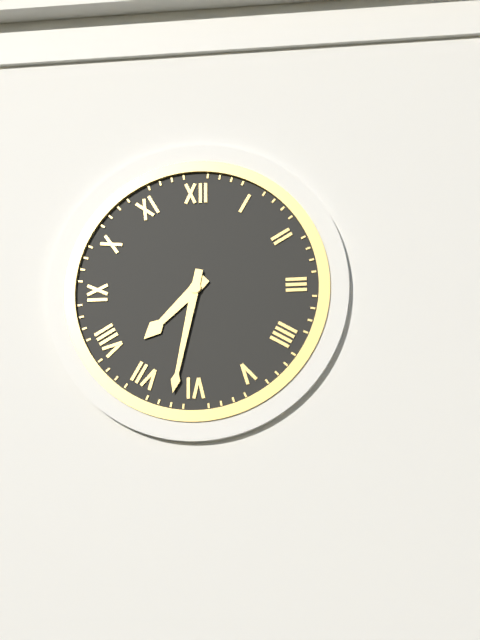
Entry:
h=7 m=32
